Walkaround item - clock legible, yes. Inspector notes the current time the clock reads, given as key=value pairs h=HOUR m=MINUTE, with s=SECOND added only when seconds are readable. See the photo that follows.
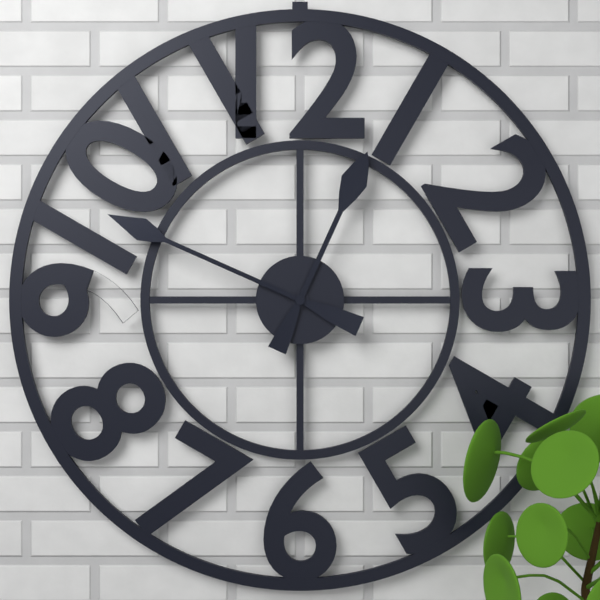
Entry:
h=12 m=49
